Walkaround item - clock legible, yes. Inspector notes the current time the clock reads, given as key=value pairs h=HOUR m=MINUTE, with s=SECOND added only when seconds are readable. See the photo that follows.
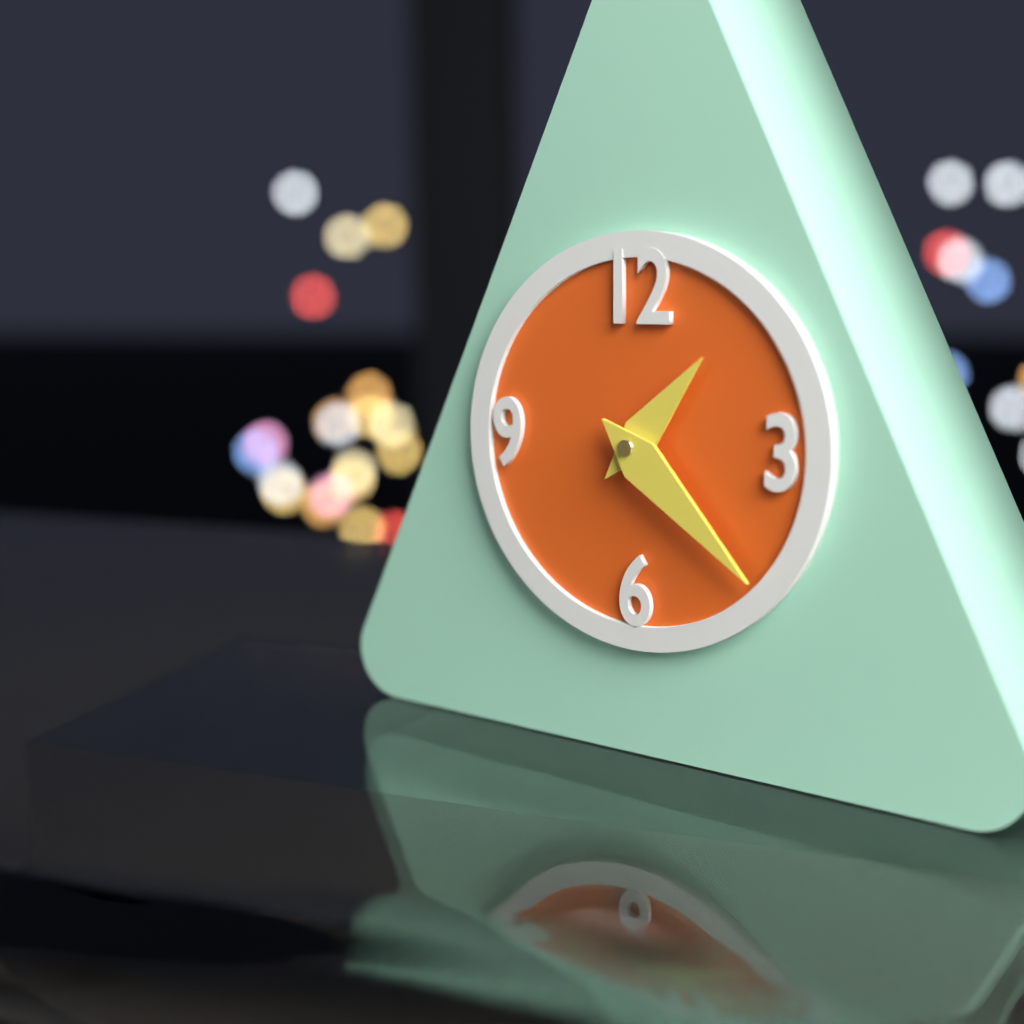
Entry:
h=1 m=22
